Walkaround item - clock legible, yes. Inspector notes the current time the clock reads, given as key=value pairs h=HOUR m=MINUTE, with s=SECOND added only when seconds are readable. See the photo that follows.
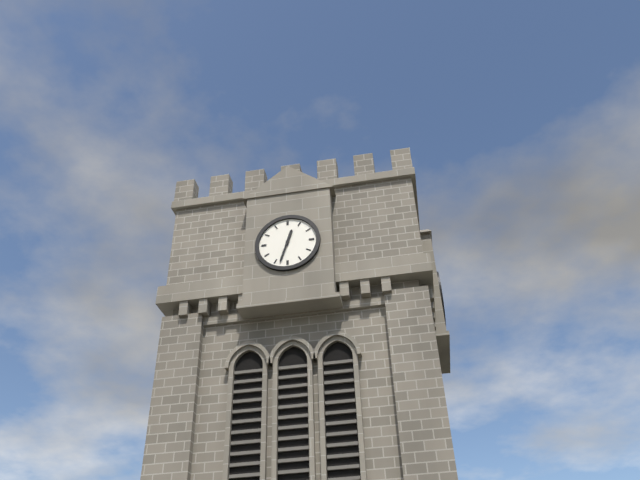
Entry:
h=12 m=33
